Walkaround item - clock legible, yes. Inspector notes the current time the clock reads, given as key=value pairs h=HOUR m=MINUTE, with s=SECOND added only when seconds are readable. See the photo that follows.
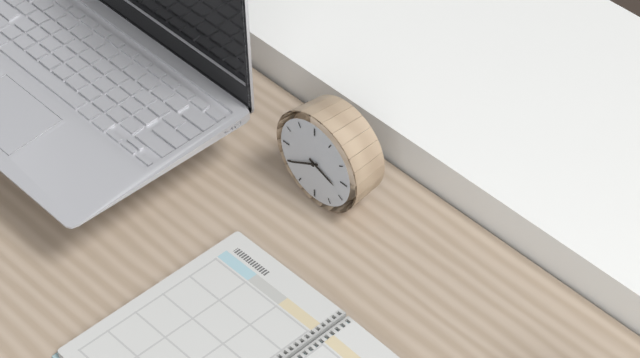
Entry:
h=3 m=40
